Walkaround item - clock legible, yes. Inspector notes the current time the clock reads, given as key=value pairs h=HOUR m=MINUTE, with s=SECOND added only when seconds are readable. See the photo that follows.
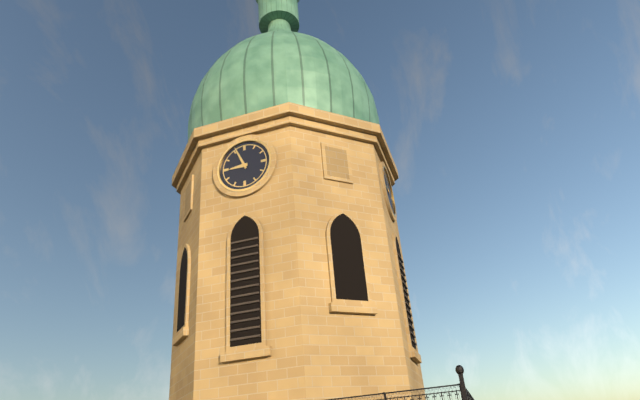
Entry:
h=8 m=56
